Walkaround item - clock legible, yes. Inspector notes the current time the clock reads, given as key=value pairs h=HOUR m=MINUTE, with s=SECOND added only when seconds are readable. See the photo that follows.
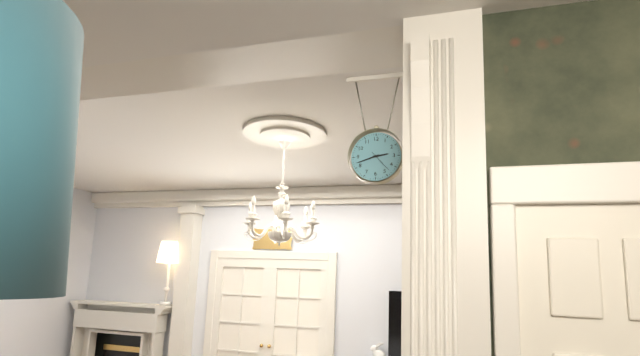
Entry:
h=2 m=42
